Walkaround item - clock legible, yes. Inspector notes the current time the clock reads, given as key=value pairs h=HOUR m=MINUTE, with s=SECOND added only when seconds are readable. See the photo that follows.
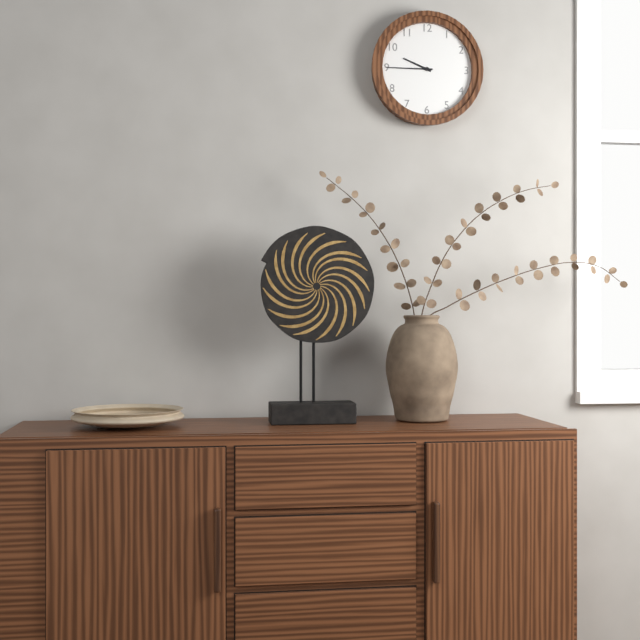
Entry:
h=9 m=45
